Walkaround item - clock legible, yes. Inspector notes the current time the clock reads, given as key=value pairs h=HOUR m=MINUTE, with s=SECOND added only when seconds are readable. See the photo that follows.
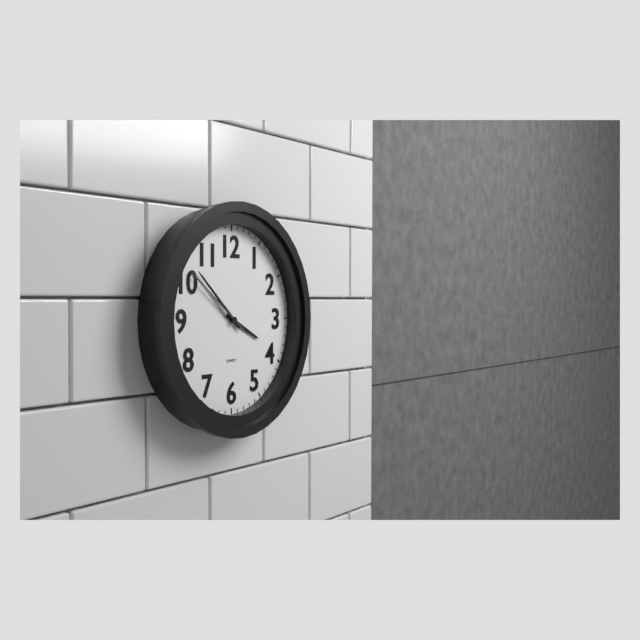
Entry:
h=3 m=52 s=51
